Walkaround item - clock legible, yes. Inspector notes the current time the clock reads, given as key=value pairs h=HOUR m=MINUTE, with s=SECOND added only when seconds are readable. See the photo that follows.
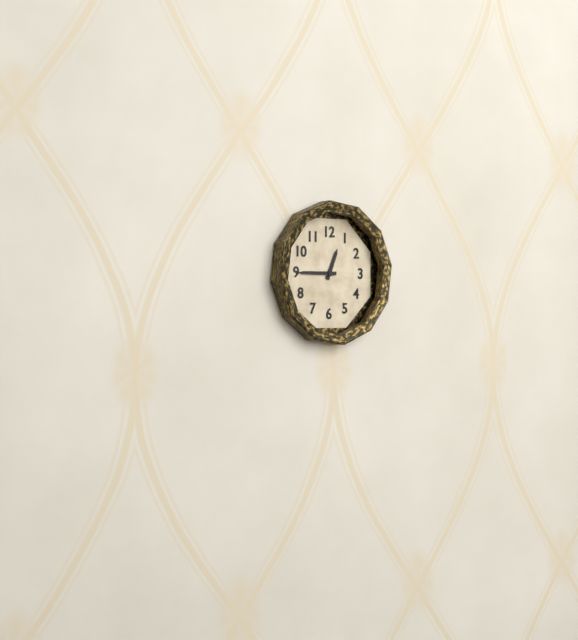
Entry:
h=12 m=45
